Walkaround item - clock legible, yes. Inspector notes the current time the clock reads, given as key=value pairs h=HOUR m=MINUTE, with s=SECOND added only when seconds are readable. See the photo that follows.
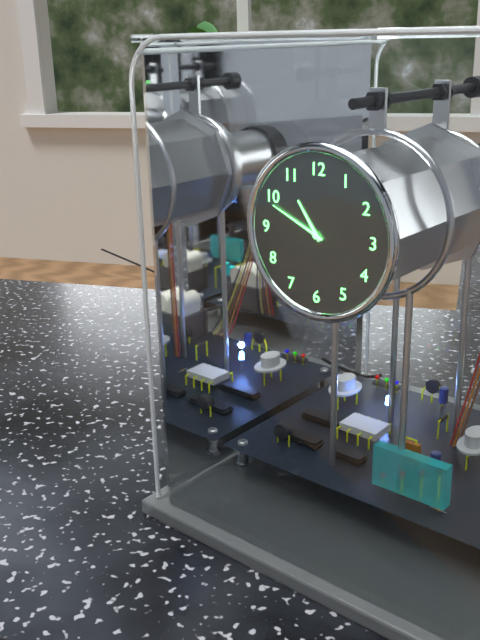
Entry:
h=10 m=49
